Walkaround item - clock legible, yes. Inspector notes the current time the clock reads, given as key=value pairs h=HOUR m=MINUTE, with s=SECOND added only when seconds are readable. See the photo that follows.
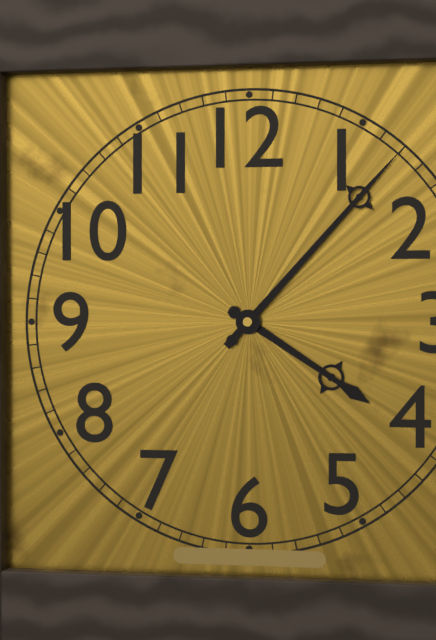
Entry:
h=4 m=7
